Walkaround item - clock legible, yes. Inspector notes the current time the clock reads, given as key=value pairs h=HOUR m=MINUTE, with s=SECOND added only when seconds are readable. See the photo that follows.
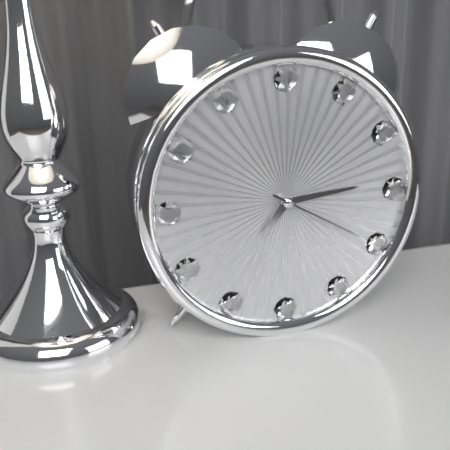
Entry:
h=7 m=14 s=20
